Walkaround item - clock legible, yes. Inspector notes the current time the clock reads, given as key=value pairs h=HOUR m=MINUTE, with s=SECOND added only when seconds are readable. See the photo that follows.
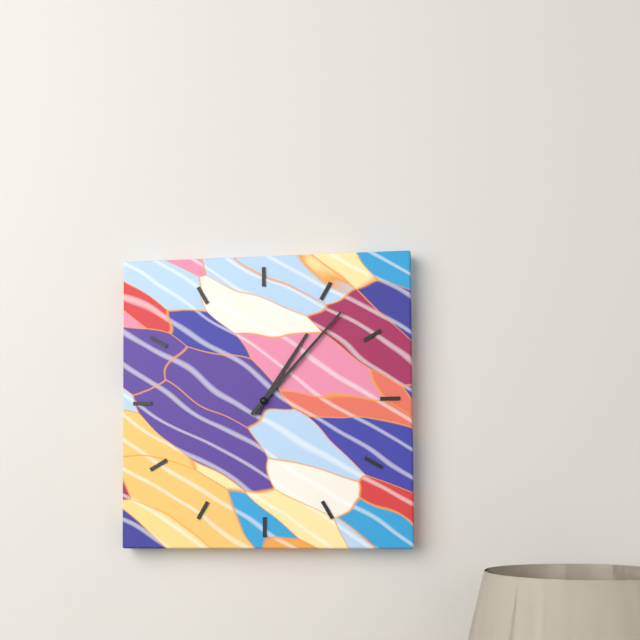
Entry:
h=1 m=7
